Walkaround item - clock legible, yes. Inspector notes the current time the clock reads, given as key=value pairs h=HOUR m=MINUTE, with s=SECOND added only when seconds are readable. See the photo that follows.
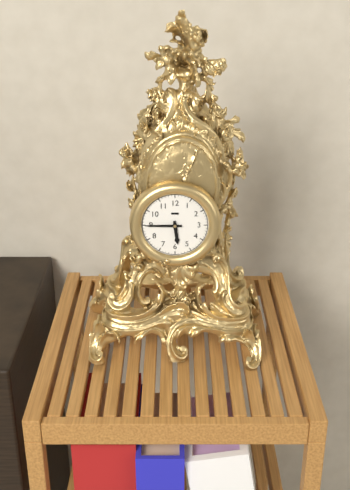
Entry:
h=5 m=45
